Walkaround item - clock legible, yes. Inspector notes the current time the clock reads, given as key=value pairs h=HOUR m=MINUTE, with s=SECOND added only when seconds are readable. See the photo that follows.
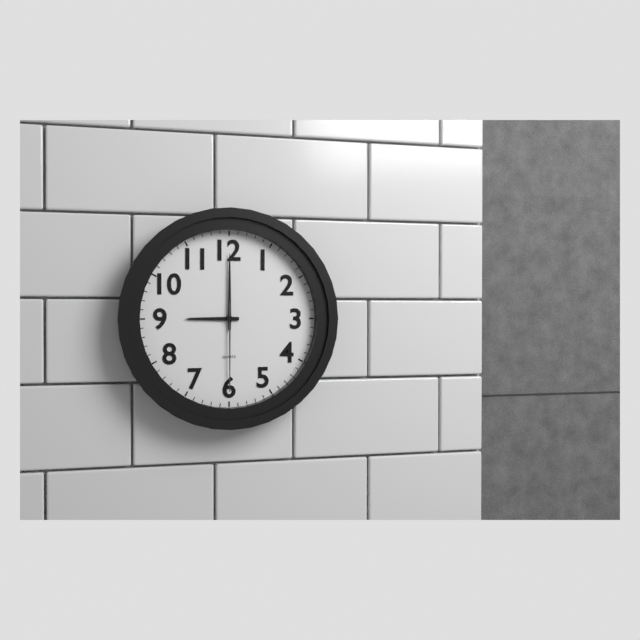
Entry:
h=9 m=0 s=30
